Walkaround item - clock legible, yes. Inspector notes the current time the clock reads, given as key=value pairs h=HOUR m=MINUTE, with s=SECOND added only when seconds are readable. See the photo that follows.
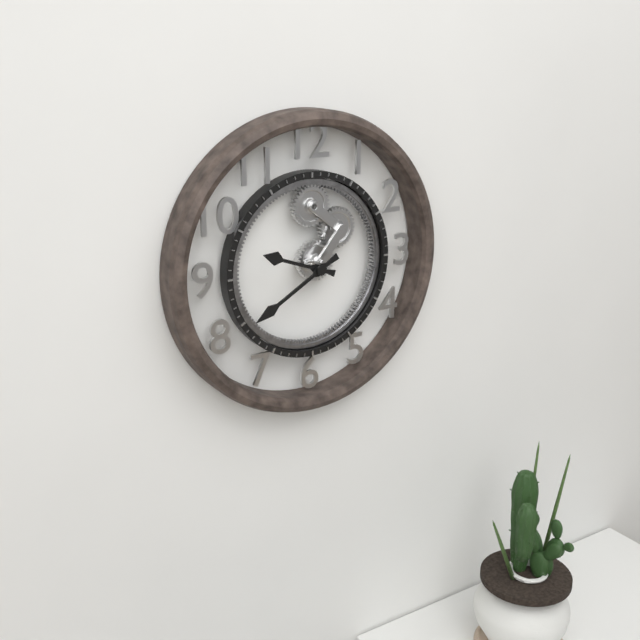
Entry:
h=9 m=40
